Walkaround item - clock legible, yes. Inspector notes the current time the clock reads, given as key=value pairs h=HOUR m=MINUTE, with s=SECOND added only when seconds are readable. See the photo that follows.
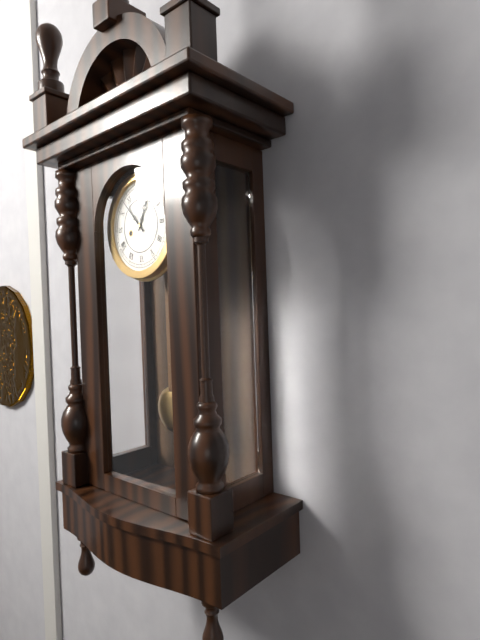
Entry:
h=12 m=53
